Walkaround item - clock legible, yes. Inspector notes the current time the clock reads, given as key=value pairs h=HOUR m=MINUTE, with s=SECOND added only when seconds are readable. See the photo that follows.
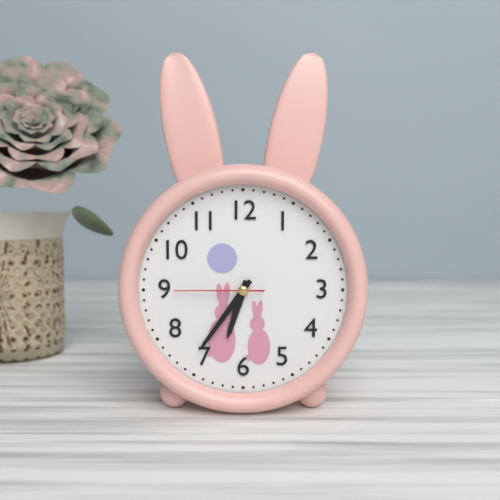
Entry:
h=6 m=36 s=45
